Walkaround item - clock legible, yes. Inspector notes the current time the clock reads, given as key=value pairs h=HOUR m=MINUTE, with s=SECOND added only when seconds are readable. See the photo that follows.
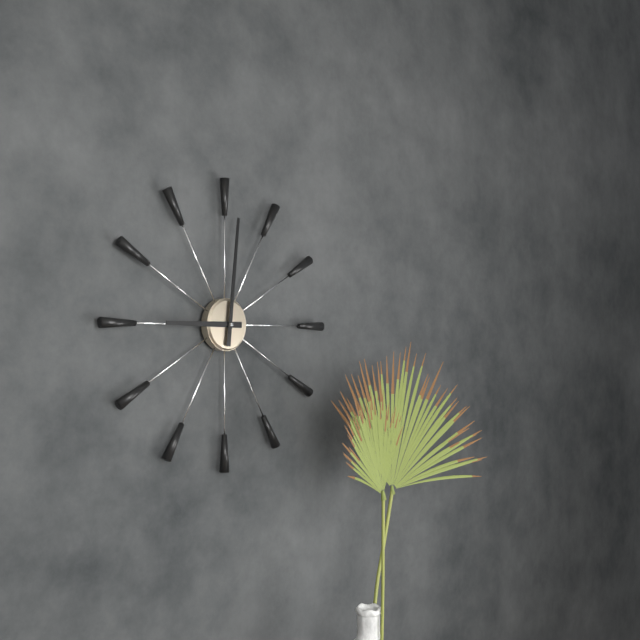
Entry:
h=9 m=1
